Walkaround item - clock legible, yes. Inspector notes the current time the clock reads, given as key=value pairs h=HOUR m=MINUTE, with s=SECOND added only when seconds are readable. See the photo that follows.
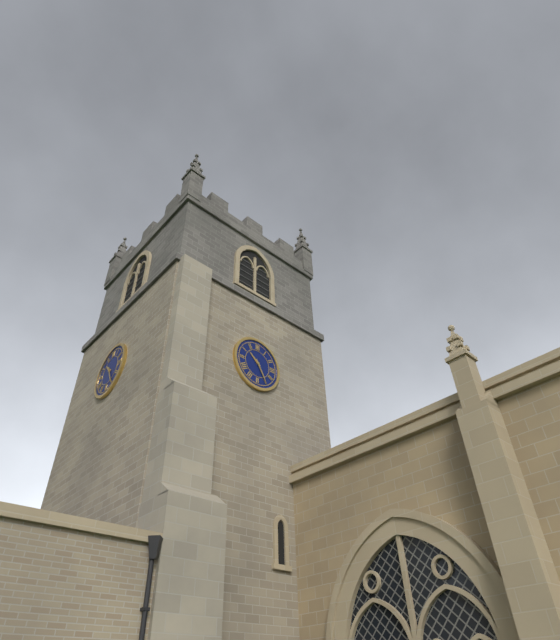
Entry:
h=10 m=25
